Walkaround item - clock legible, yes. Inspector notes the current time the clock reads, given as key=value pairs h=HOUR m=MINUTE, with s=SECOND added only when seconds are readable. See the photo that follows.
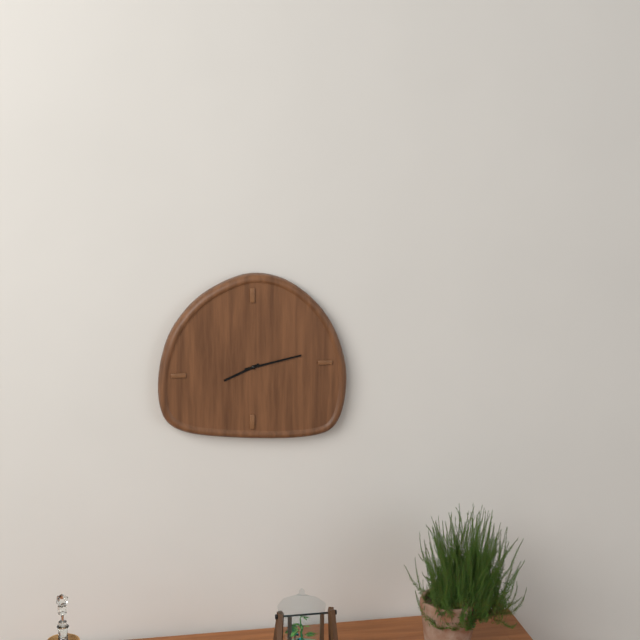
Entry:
h=8 m=13
